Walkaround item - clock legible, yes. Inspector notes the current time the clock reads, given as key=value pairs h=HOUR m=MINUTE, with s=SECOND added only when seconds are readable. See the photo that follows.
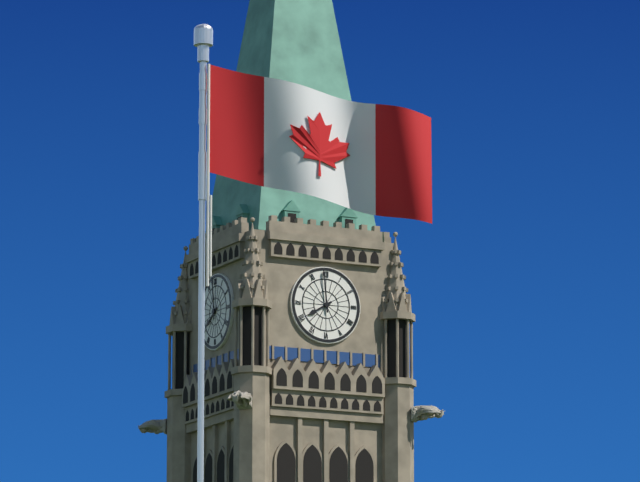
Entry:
h=7 m=59
